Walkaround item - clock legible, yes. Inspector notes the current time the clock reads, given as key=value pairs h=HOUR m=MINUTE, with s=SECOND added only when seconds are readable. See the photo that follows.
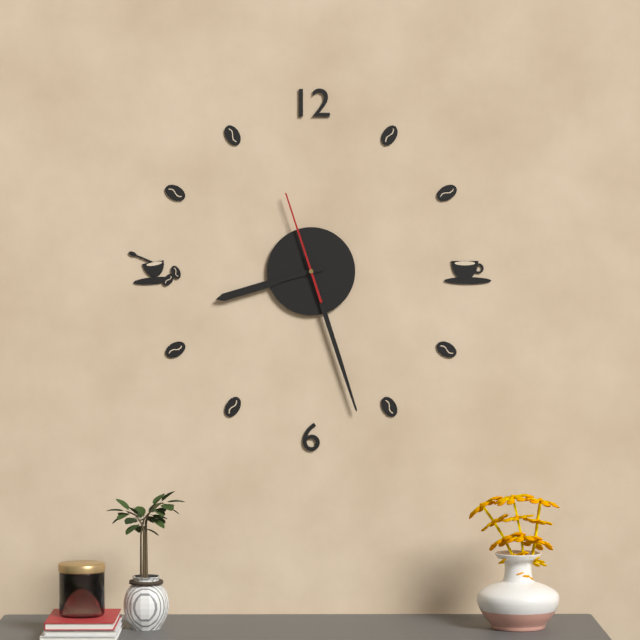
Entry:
h=8 m=27 s=57
